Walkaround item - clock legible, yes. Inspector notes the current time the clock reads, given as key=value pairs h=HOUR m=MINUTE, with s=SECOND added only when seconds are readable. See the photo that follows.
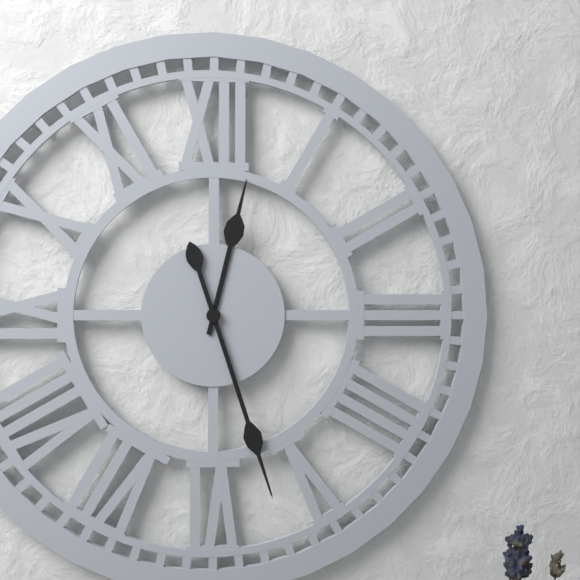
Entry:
h=12 m=27
